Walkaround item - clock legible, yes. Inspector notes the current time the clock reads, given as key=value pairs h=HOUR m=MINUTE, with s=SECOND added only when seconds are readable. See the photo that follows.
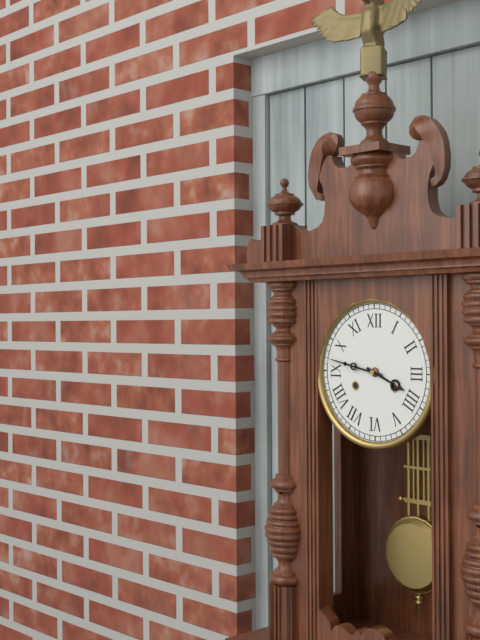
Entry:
h=3 m=47
